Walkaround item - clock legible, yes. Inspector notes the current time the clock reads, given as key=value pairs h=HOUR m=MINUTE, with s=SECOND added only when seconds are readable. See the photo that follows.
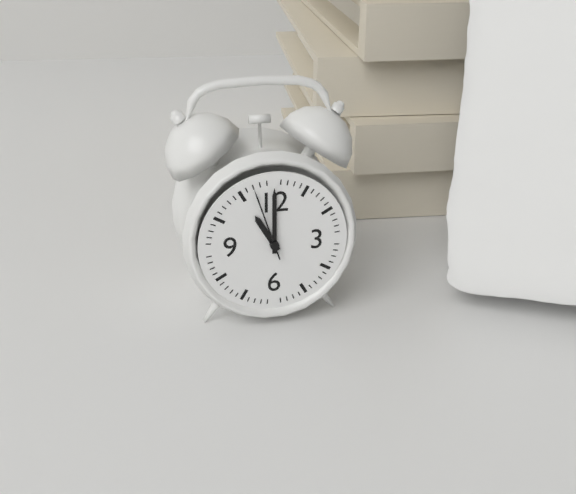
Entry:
h=11 m=0 s=57
